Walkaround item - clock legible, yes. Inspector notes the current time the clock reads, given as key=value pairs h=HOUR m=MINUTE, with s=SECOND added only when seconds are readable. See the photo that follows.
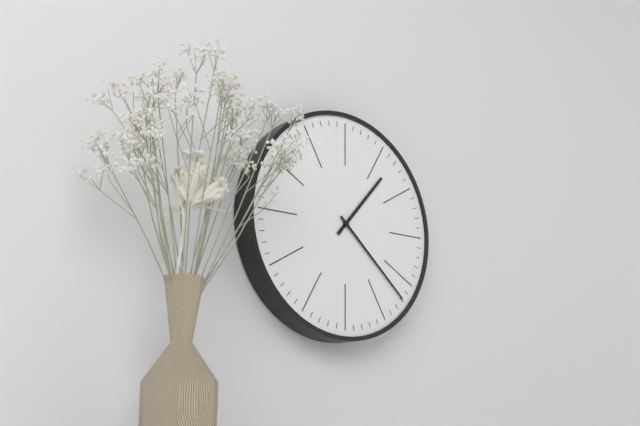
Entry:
h=1 m=22
